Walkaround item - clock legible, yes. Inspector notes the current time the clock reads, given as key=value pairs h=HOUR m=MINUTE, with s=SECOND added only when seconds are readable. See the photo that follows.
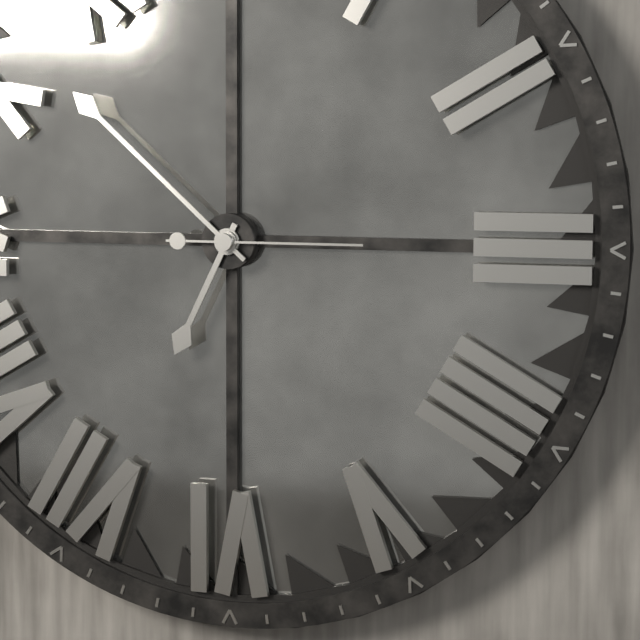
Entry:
h=6 m=52 s=15
